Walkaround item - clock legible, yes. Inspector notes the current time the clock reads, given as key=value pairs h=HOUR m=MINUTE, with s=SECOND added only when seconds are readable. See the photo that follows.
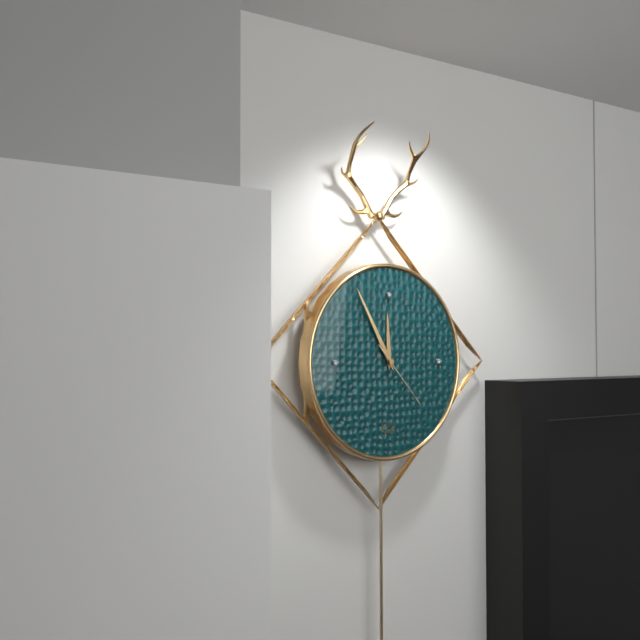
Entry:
h=11 m=55 s=23
